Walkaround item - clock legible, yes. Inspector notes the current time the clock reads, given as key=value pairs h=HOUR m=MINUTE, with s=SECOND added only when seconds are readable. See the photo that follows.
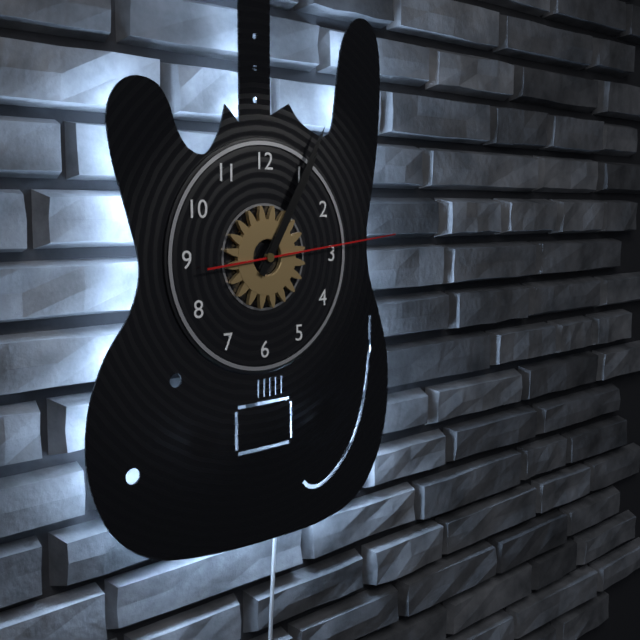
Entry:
h=1 m=5 s=14
